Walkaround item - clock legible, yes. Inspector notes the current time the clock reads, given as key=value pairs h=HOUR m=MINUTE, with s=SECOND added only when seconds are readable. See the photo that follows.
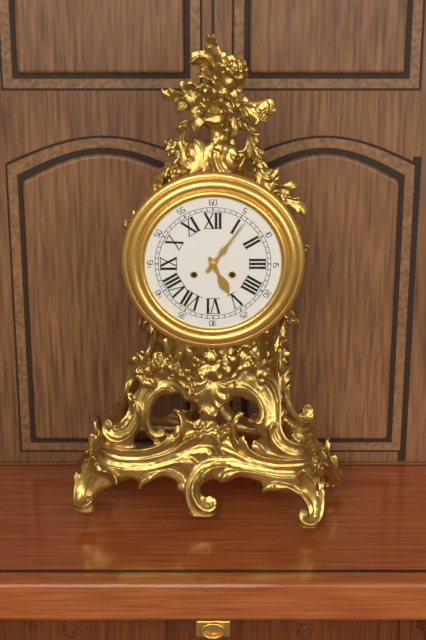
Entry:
h=5 m=6
